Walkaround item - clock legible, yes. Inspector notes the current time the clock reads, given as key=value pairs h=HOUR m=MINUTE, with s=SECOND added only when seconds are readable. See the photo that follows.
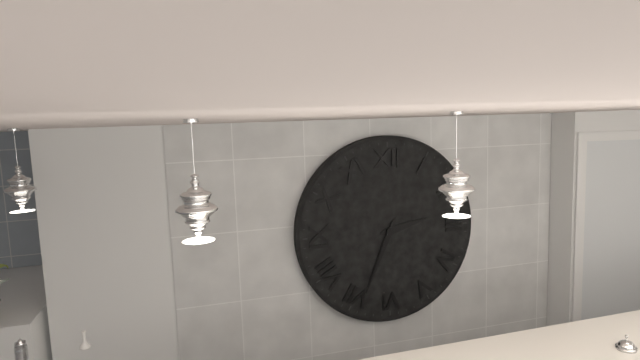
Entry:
h=2 m=34
